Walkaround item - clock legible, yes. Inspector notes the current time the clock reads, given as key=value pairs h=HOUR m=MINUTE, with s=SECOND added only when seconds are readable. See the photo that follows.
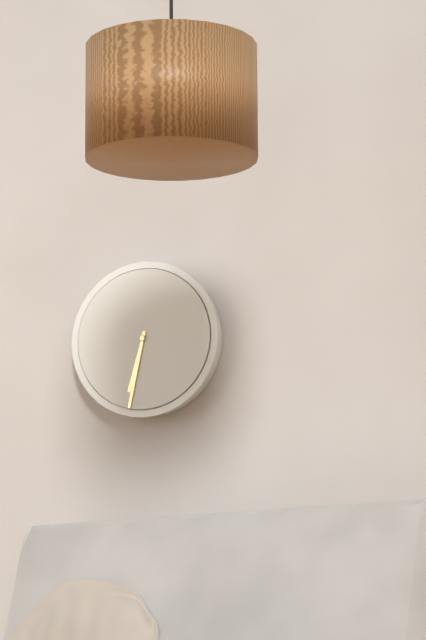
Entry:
h=6 m=32
